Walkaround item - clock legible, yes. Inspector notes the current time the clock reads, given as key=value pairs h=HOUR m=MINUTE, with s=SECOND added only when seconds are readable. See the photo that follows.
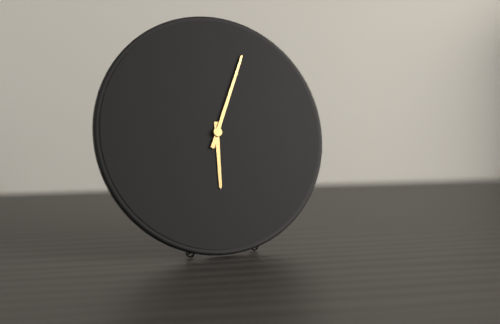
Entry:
h=6 m=4
